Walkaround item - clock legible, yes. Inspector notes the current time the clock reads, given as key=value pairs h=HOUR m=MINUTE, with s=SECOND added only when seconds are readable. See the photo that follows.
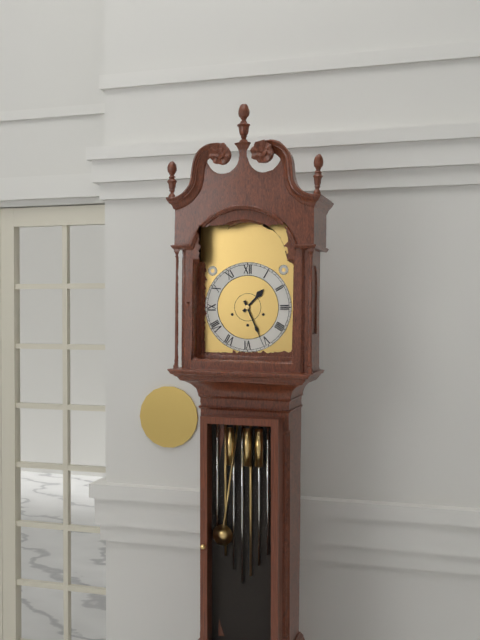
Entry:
h=1 m=26
